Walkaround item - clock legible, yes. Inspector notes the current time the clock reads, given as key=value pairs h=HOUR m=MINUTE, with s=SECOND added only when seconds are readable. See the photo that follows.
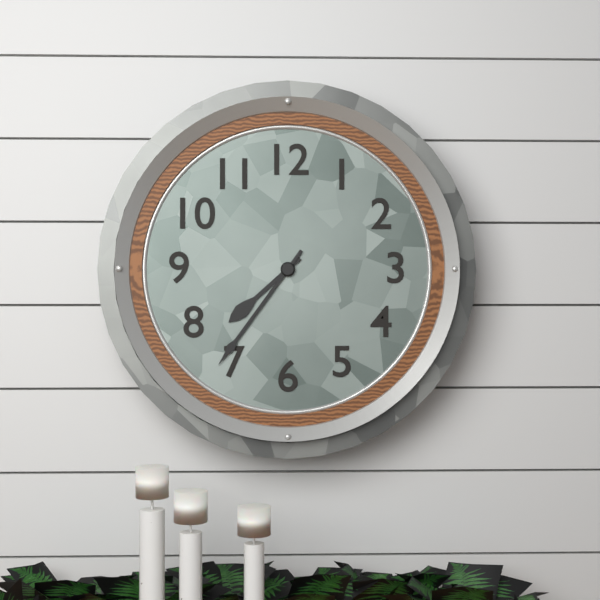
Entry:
h=7 m=36
